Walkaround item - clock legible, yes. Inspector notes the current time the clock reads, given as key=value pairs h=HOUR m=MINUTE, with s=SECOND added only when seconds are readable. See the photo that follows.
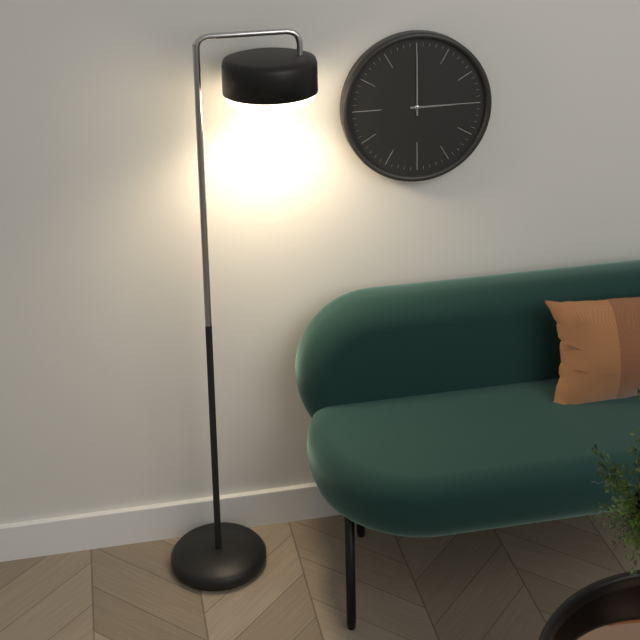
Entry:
h=3 m=0
